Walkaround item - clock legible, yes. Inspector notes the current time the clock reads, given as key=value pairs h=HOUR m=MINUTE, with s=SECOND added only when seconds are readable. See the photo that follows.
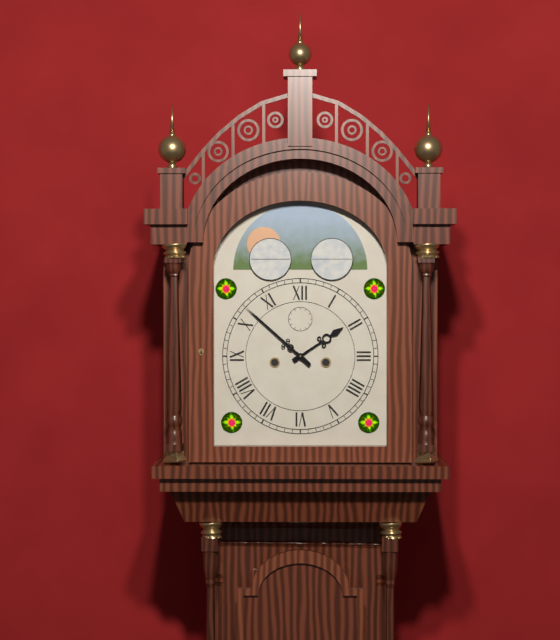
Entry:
h=1 m=52
